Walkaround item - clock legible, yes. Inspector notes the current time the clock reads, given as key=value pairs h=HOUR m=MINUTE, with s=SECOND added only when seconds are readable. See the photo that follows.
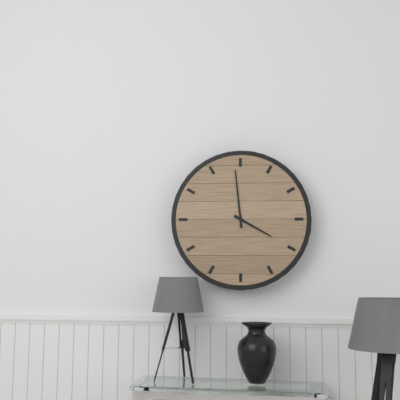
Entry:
h=3 m=59
